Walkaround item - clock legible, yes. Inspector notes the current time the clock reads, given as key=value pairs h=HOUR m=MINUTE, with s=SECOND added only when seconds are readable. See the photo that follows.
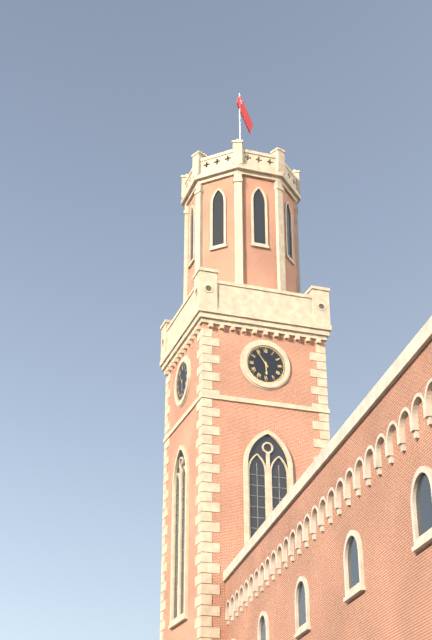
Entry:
h=5 m=54
